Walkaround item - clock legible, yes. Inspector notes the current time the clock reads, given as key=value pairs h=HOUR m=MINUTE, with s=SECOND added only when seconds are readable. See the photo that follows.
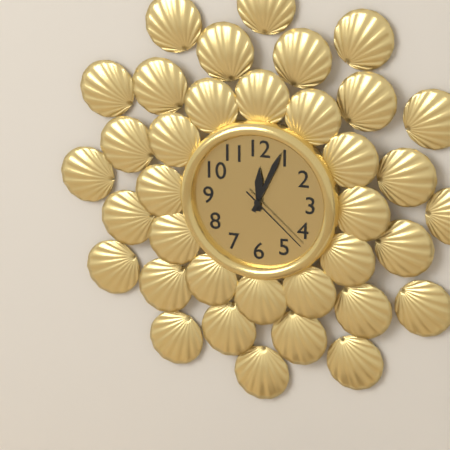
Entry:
h=12 m=4 s=22
